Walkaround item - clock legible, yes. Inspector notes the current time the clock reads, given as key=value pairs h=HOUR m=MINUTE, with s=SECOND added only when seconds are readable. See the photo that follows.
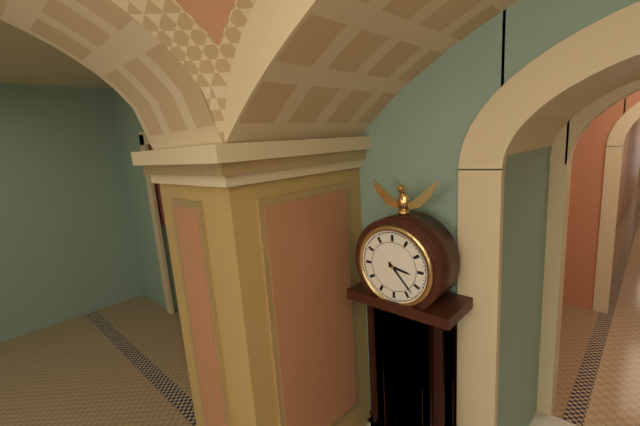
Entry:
h=3 m=23
